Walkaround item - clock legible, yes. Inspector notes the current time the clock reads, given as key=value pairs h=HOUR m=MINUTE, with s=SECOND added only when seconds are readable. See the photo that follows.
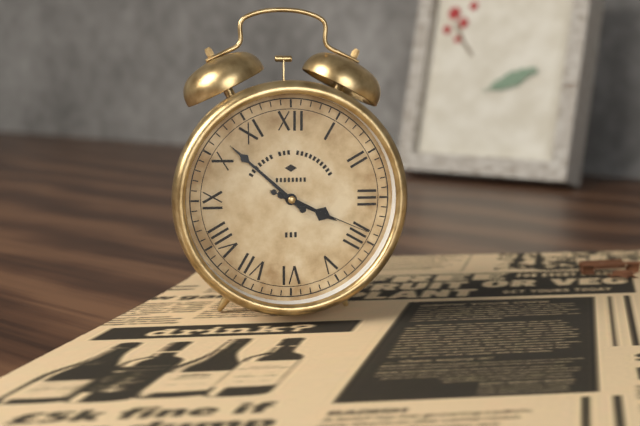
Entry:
h=3 m=52 s=19
